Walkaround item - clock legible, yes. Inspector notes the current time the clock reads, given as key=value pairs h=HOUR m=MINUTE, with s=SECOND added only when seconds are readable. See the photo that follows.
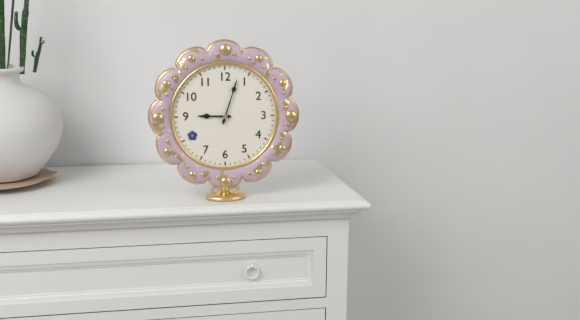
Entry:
h=9 m=3
